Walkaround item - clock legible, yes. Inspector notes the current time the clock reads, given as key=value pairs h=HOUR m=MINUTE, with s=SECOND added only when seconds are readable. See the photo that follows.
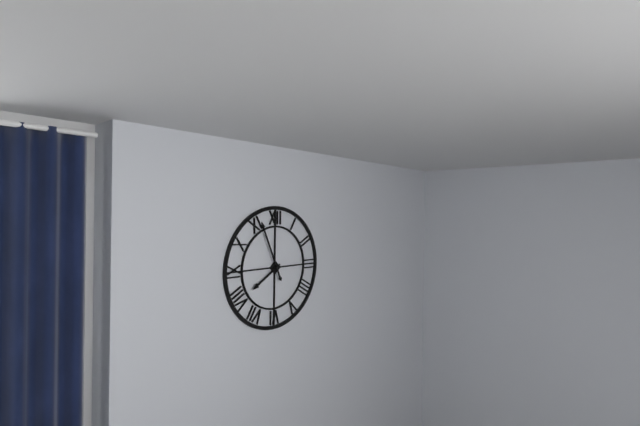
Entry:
h=7 m=56
